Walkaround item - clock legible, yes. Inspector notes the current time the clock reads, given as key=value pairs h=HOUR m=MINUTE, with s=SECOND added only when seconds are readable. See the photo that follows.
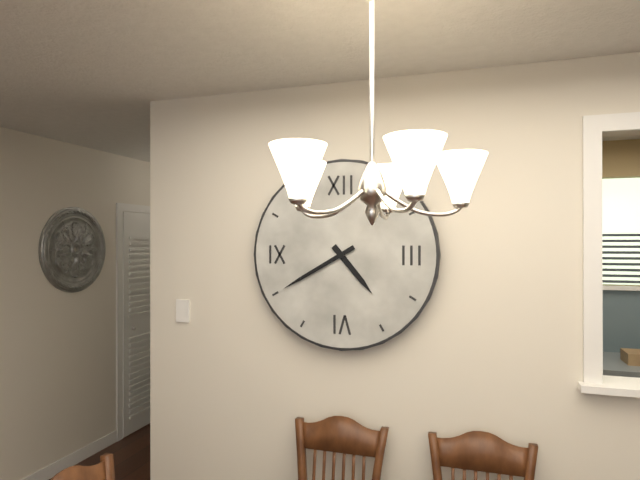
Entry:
h=4 m=40
